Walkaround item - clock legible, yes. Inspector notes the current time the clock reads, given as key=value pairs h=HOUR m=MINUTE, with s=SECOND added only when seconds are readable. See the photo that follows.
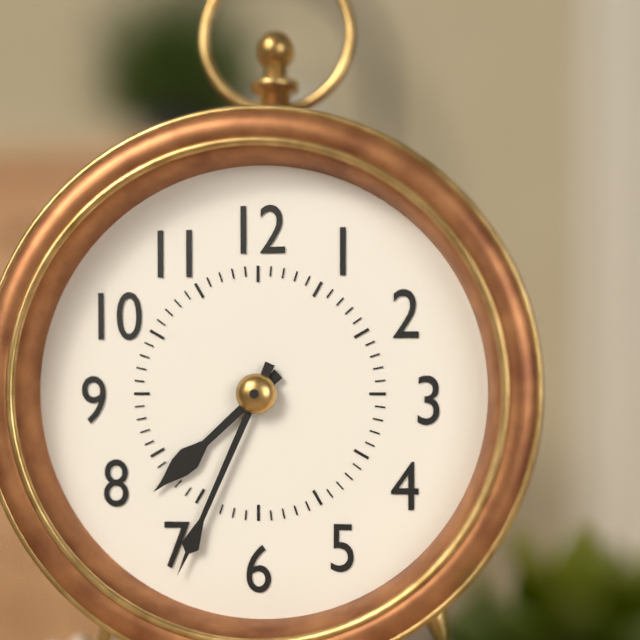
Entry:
h=7 m=34
